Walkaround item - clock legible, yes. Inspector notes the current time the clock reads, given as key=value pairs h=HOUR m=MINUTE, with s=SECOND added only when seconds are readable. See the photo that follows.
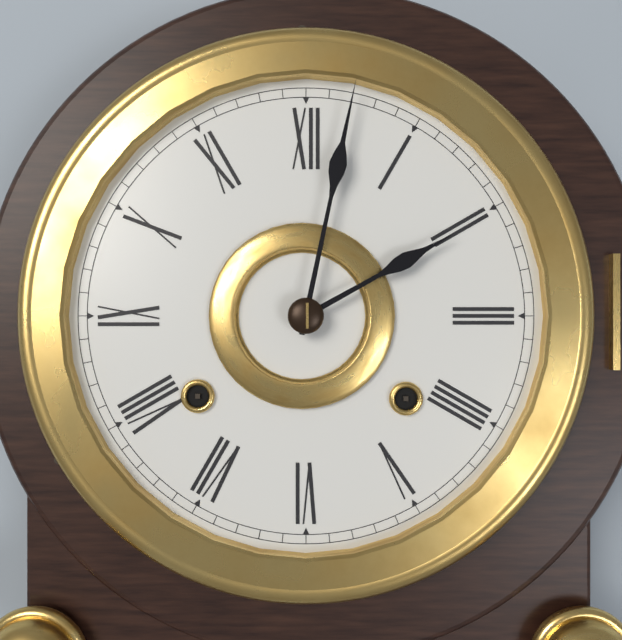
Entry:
h=2 m=2
